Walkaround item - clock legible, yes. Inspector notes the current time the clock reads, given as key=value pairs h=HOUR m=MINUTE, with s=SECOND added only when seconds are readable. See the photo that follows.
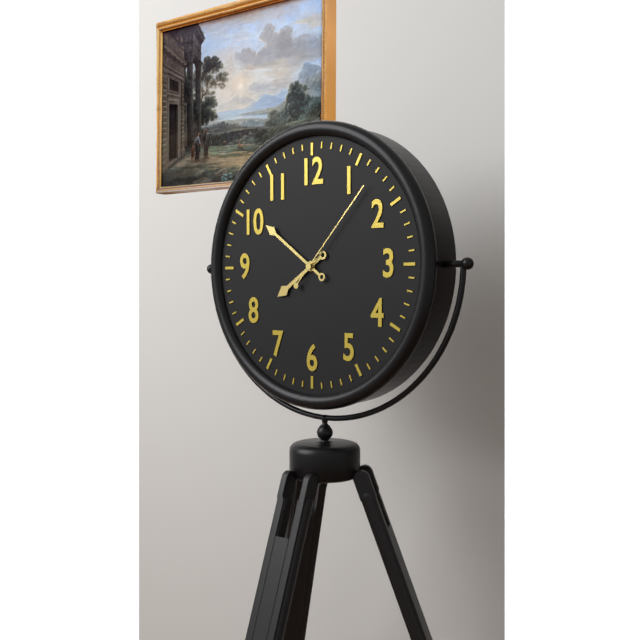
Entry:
h=7 m=51 s=7
